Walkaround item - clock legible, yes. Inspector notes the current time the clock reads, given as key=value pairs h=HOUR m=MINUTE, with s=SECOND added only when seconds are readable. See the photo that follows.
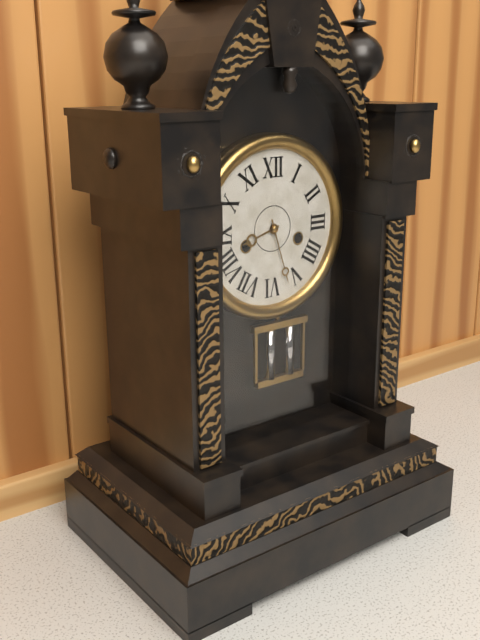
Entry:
h=8 m=27
